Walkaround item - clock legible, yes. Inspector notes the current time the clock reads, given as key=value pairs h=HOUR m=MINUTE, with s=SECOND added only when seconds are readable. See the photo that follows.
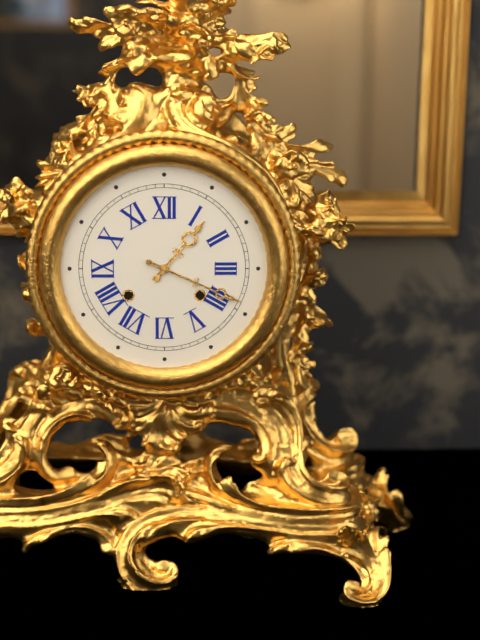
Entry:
h=1 m=19
